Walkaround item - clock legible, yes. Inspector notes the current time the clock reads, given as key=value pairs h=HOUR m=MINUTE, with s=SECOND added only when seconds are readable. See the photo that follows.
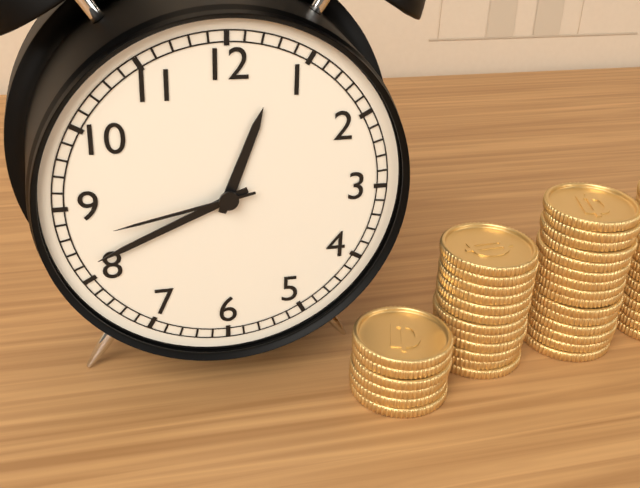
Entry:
h=12 m=41 s=43
